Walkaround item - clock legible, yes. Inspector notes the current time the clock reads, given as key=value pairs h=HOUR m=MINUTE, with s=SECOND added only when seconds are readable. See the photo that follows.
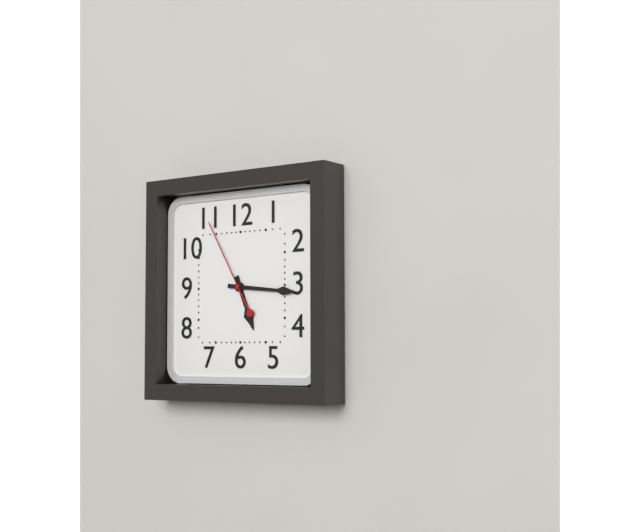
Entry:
h=5 m=16 s=55
